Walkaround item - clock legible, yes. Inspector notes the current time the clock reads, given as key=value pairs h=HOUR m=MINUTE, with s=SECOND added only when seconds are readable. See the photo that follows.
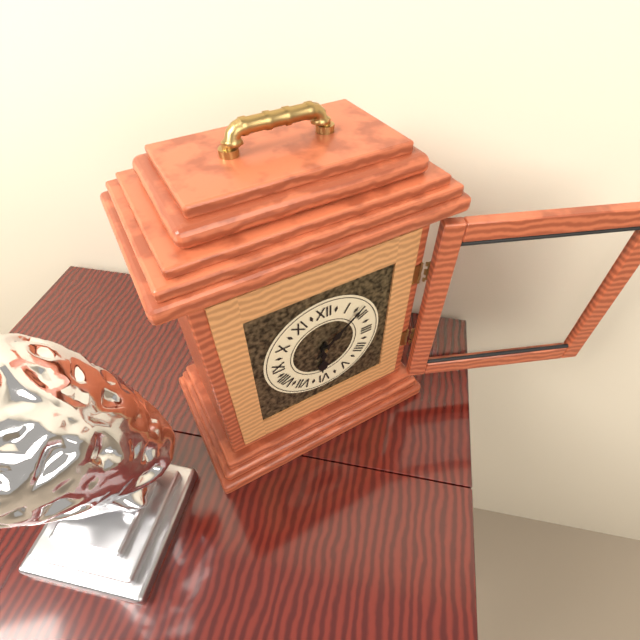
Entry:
h=6 m=8
